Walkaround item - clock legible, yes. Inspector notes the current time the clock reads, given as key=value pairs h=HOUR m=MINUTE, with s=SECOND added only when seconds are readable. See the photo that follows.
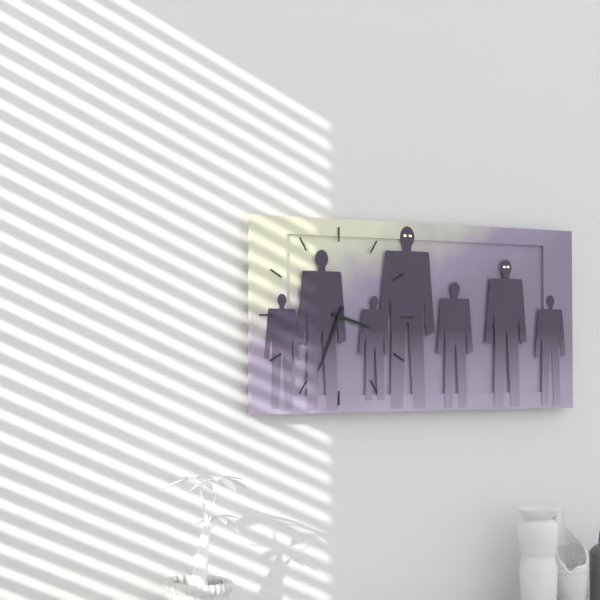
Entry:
h=3 m=34
